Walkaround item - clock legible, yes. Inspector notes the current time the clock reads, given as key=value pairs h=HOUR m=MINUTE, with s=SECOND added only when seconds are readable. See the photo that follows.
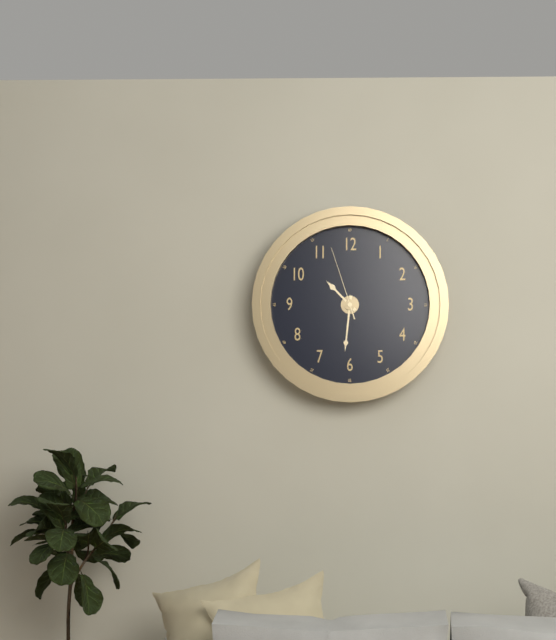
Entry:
h=10 m=31 s=57
